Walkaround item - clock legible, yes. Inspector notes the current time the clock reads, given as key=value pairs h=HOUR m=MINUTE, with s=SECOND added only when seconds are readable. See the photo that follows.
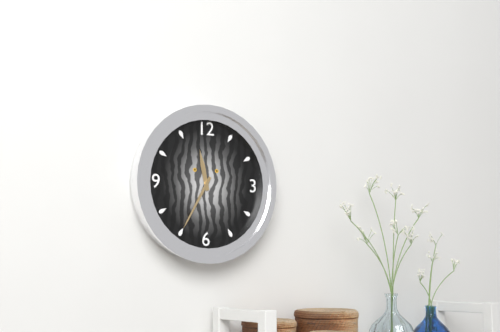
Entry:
h=11 m=35
